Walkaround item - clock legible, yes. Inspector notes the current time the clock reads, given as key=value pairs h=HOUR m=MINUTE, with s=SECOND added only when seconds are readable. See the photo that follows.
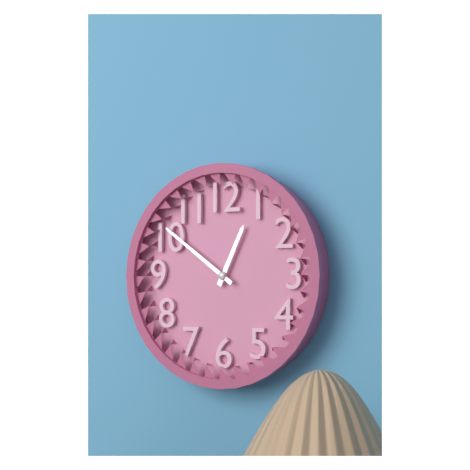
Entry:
h=12 m=51
